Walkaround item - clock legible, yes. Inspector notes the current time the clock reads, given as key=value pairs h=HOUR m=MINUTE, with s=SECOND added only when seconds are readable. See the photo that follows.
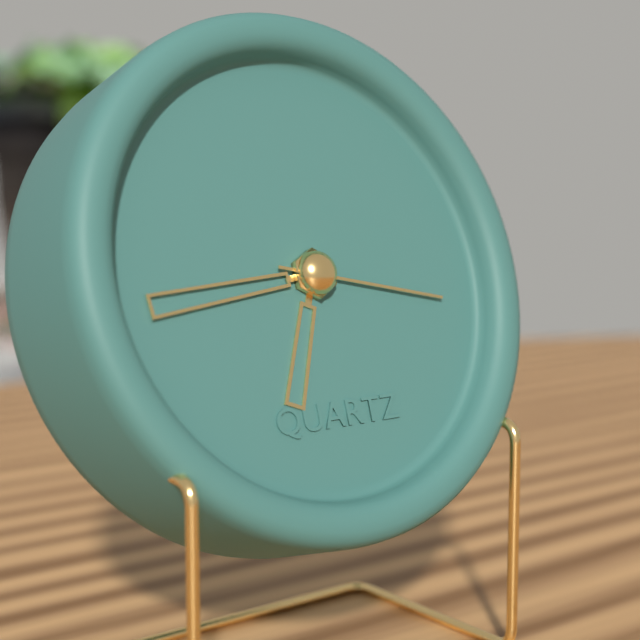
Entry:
h=6 m=44 s=17
